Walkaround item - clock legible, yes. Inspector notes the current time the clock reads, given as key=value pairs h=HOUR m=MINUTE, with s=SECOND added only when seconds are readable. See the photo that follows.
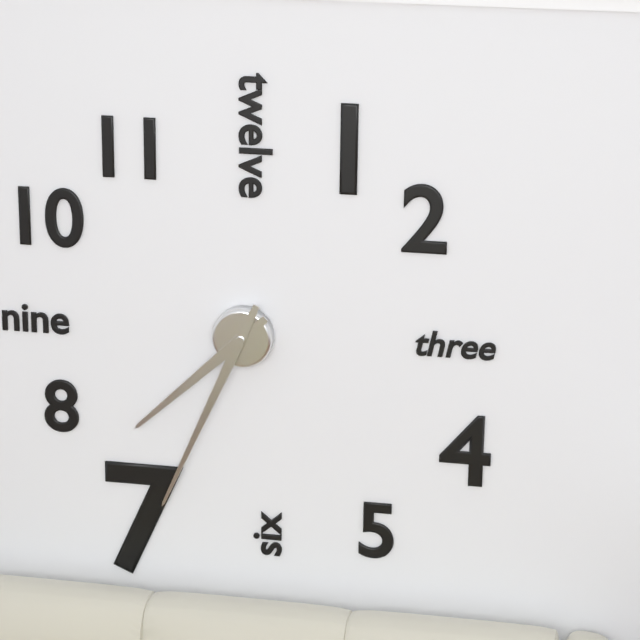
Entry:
h=7 m=34
